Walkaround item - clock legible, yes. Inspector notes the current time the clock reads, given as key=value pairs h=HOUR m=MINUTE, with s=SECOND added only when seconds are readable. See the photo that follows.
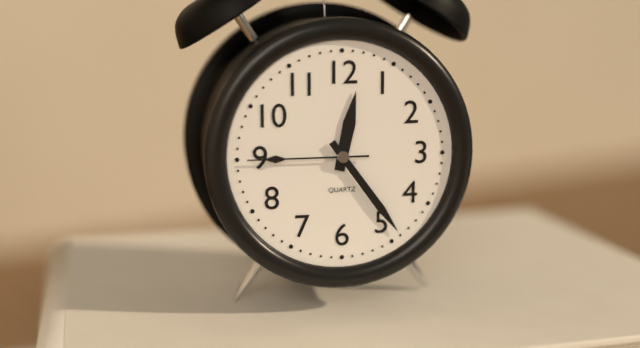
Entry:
h=12 m=24 s=45
